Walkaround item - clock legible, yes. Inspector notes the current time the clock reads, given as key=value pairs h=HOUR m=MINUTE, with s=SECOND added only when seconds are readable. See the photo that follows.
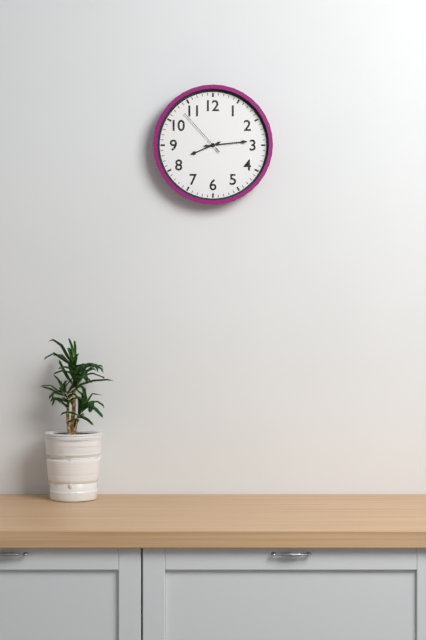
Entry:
h=8 m=14 s=53
